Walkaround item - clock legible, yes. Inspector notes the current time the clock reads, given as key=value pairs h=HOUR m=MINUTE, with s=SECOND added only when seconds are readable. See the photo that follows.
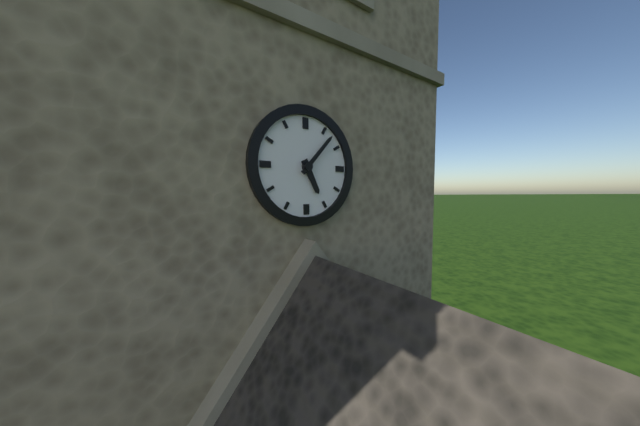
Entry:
h=5 m=7
